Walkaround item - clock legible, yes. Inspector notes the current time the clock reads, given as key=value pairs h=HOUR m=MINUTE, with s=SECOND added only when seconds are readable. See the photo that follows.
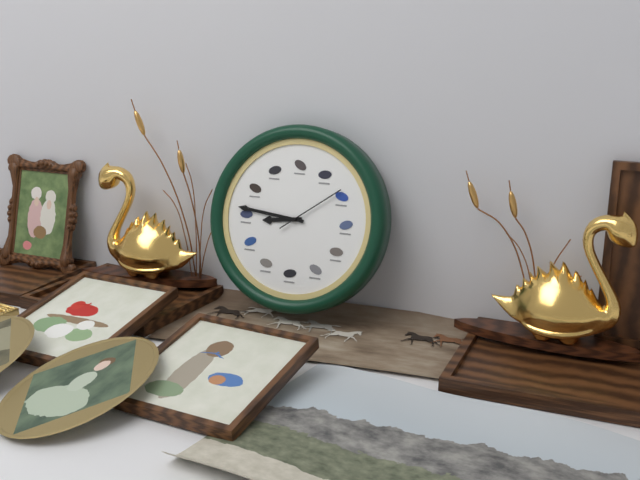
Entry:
h=8 m=46 s=9
